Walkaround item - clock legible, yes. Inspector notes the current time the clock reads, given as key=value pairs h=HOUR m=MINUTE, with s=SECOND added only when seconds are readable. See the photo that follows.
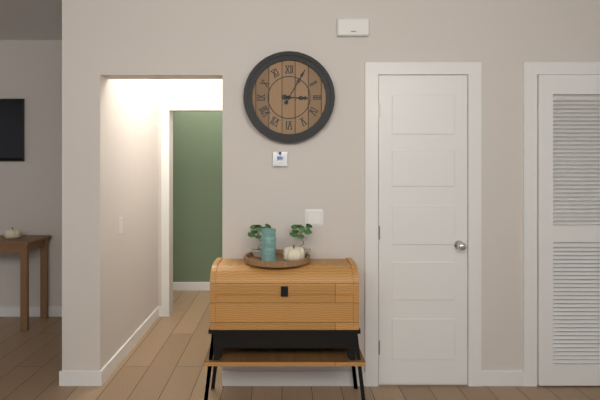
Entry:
h=3 m=5
